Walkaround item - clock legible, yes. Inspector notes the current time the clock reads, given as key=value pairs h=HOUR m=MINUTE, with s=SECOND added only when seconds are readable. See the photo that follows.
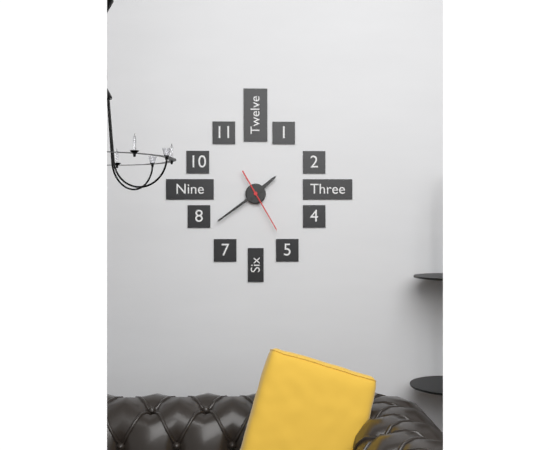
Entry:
h=1 m=39 s=25
